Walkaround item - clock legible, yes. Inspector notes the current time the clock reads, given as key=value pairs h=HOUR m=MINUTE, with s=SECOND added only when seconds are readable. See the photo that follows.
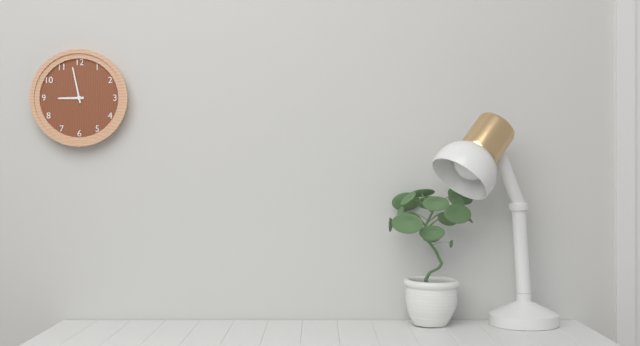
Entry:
h=8 m=58
